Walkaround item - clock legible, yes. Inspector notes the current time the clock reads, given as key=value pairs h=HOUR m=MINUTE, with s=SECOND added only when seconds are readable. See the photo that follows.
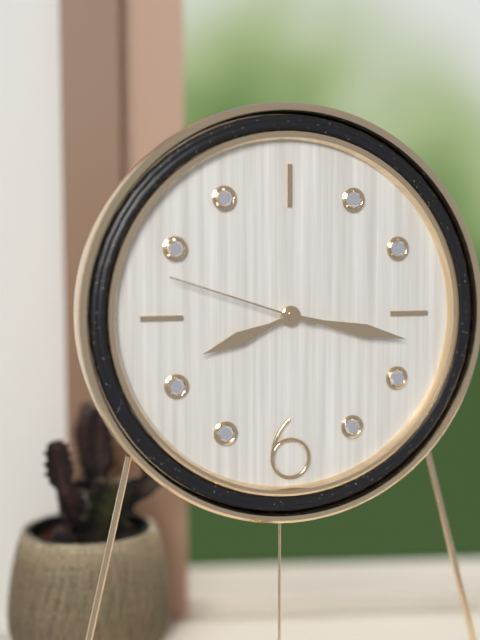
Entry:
h=8 m=17 s=48
